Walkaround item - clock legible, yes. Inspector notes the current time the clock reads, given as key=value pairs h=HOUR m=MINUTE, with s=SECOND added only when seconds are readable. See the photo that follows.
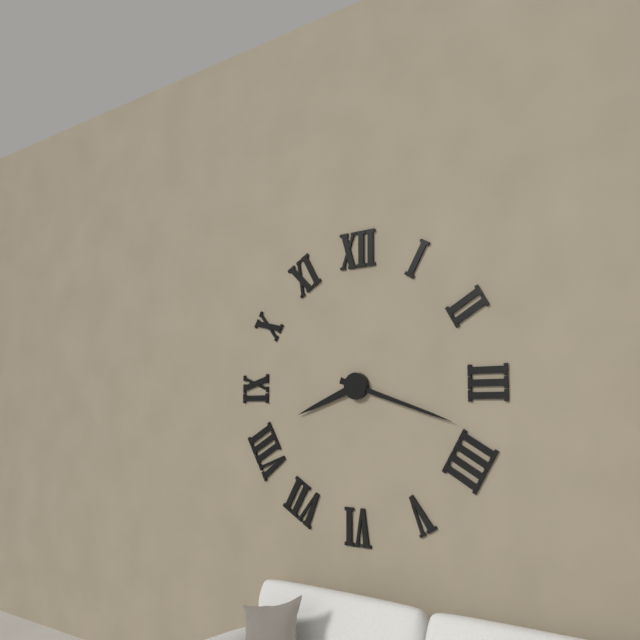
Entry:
h=8 m=18
